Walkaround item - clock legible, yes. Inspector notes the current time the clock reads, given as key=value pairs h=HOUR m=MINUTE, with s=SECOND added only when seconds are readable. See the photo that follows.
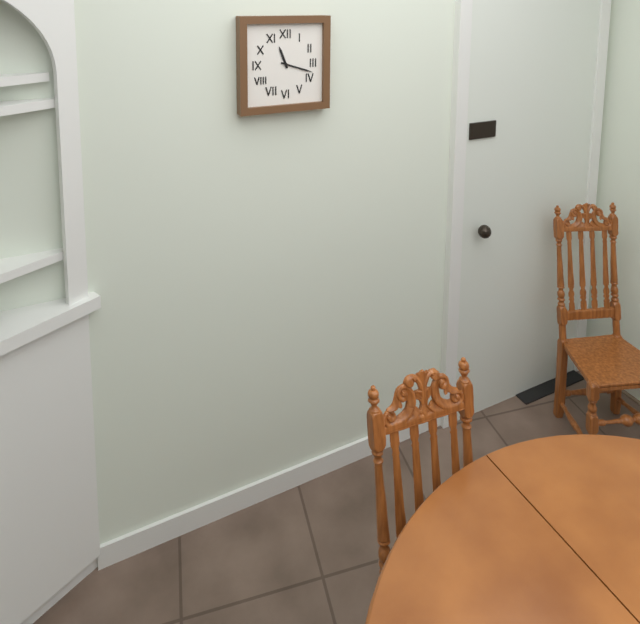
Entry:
h=11 m=18
